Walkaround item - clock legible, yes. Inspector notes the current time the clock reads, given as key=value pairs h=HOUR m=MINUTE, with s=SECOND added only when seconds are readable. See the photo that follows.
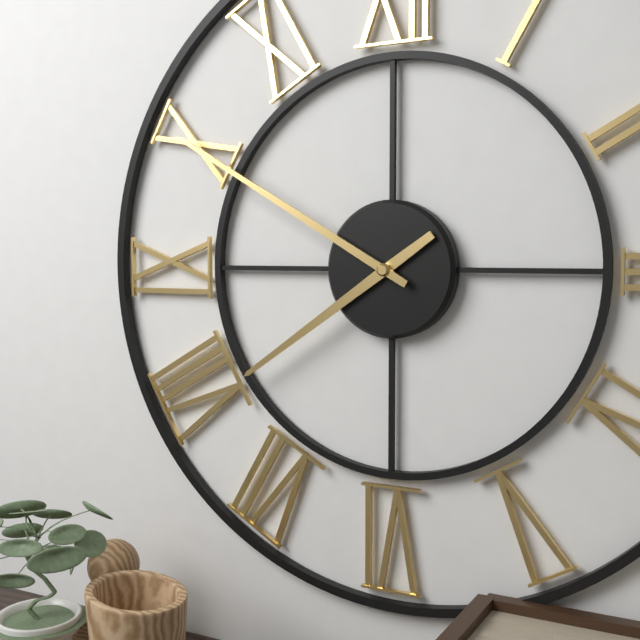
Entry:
h=7 m=50
